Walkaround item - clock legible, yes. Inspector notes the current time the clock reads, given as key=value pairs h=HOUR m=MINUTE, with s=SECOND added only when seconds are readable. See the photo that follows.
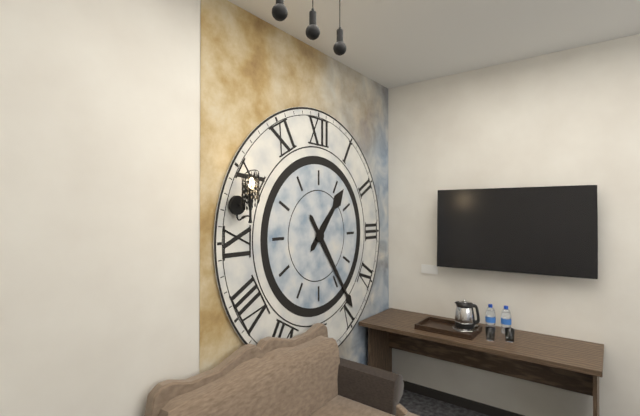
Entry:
h=1 m=24
